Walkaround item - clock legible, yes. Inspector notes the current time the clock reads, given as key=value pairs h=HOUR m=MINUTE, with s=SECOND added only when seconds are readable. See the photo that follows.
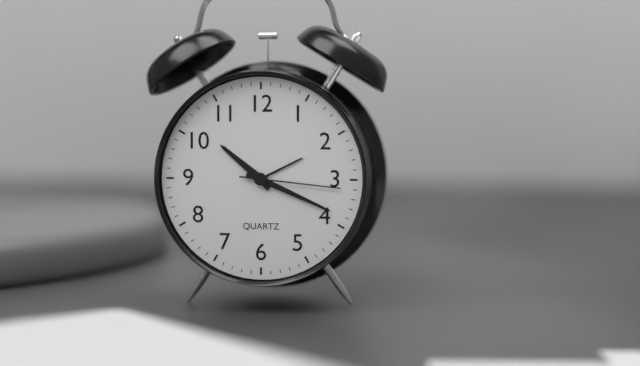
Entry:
h=10 m=19 s=16
